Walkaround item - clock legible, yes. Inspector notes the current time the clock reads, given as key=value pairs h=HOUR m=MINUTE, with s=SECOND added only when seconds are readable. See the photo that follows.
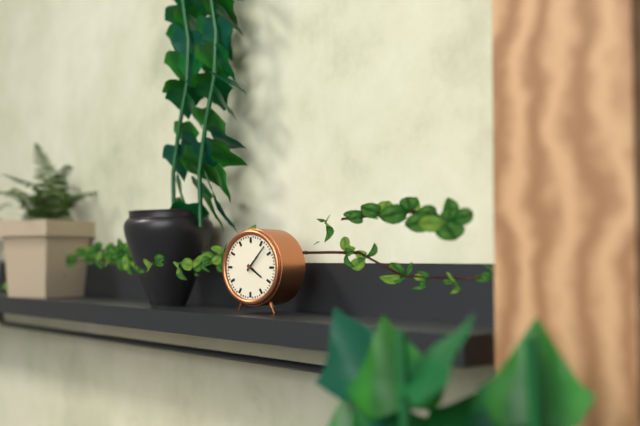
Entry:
h=4 m=7
